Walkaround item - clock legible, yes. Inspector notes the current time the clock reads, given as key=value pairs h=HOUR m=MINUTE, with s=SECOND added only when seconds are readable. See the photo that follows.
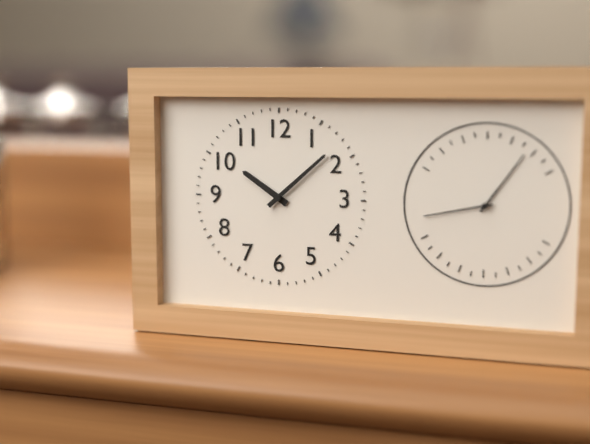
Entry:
h=10 m=8
